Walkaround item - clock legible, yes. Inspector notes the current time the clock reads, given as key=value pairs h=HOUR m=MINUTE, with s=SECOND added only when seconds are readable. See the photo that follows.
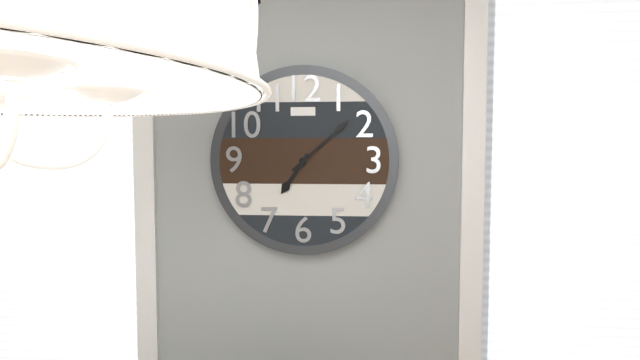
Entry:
h=7 m=8
